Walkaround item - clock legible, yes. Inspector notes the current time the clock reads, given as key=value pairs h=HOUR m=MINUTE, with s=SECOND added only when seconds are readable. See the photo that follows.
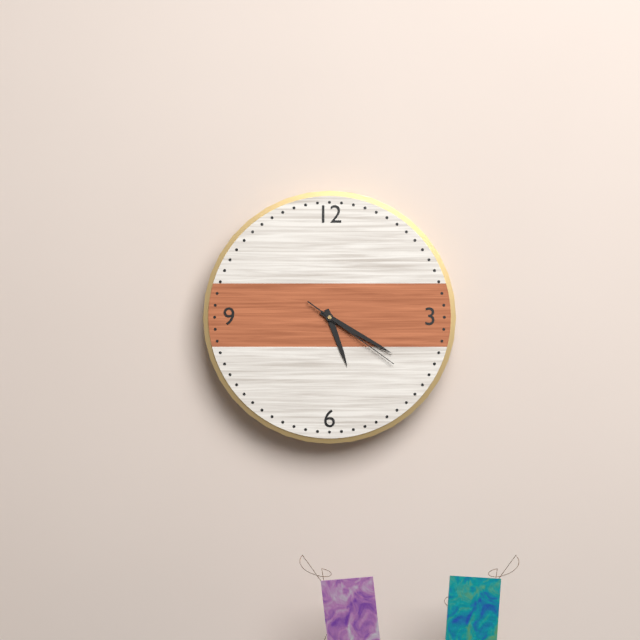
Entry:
h=5 m=20 s=21
